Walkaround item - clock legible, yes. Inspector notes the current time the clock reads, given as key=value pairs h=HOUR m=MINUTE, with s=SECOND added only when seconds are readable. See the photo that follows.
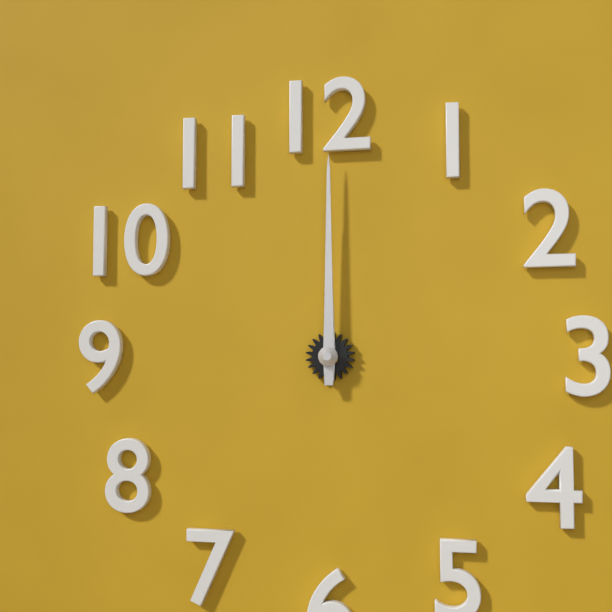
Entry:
h=12 m=0
